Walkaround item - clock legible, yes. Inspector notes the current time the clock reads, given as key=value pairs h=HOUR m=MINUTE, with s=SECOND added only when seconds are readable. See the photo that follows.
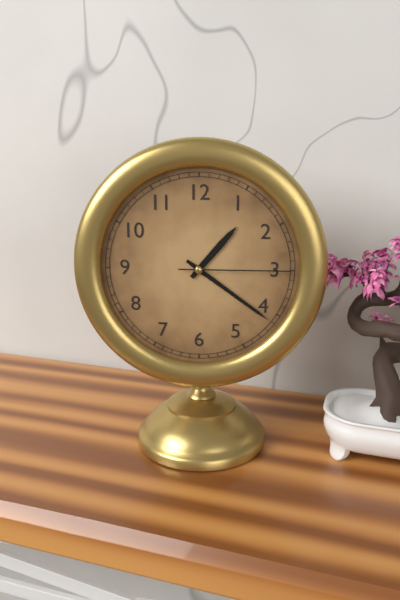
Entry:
h=1 m=21 s=15
